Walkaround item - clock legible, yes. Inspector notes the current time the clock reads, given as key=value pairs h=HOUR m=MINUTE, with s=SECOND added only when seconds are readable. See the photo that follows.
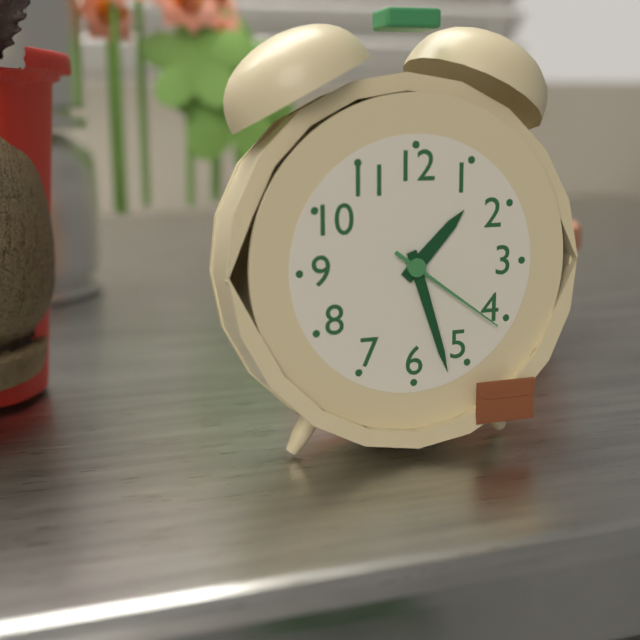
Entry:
h=1 m=27 s=21
